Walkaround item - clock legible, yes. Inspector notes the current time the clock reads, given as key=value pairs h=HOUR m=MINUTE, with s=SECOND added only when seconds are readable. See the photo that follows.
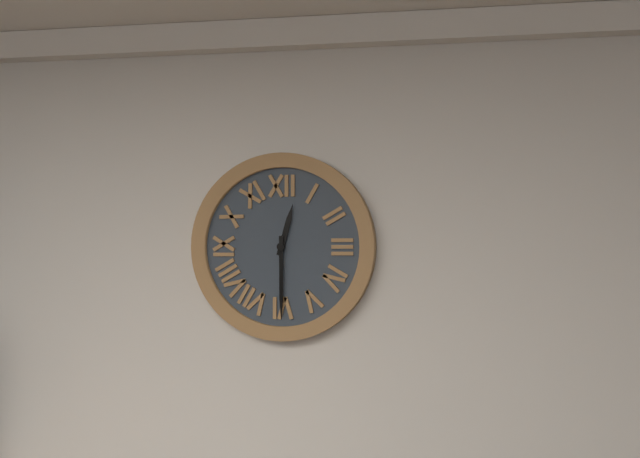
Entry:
h=12 m=30
